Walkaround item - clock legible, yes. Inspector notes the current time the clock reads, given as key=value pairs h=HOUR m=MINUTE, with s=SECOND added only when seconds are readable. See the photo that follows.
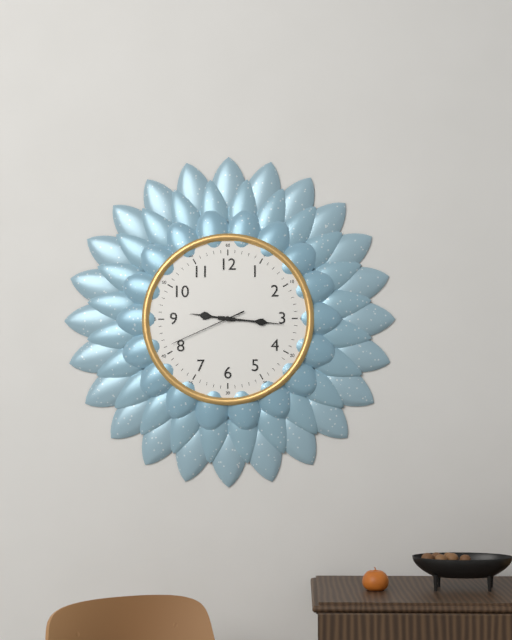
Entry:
h=9 m=16 s=41
